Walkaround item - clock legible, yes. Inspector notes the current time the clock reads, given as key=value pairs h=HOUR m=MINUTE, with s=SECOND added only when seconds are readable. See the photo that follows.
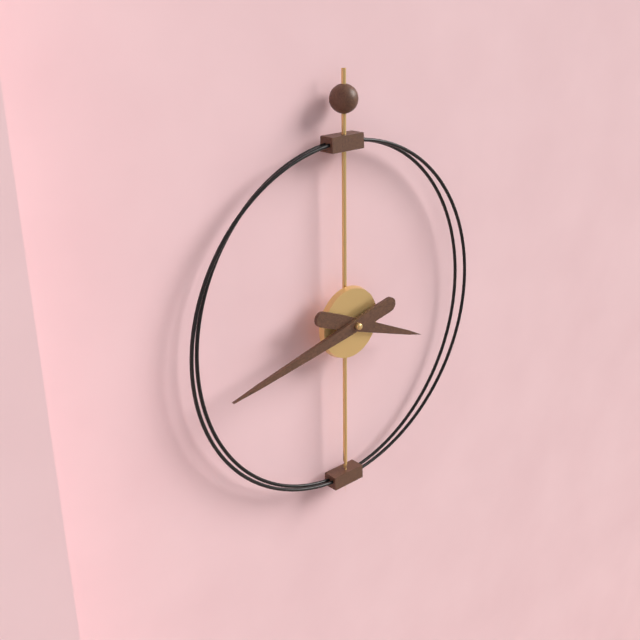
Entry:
h=3 m=43
